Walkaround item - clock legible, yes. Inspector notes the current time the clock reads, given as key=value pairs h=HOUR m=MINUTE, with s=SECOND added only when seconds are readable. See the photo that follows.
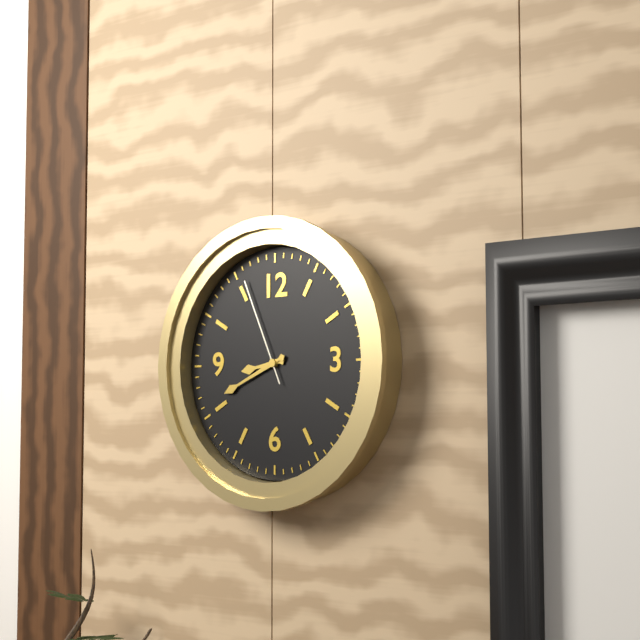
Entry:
h=8 m=41 s=56
